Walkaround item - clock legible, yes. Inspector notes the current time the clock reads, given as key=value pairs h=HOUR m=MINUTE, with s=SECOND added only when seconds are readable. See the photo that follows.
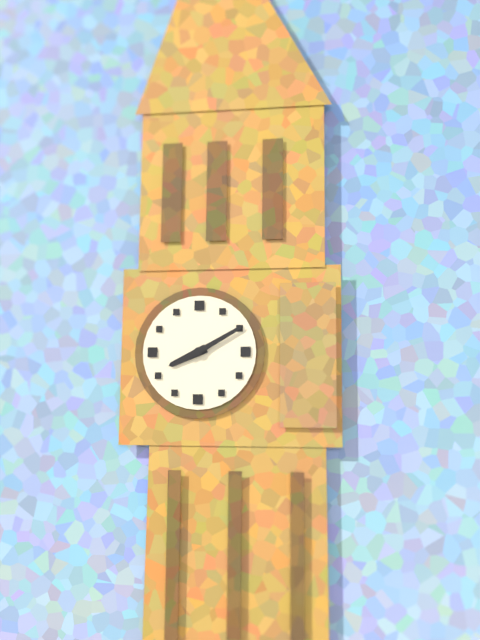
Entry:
h=8 m=10
